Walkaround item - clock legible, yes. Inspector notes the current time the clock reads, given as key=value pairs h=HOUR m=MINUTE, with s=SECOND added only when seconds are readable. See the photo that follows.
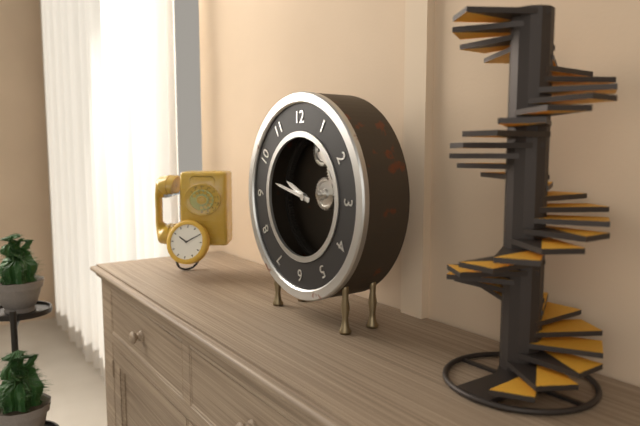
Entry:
h=9 m=47
